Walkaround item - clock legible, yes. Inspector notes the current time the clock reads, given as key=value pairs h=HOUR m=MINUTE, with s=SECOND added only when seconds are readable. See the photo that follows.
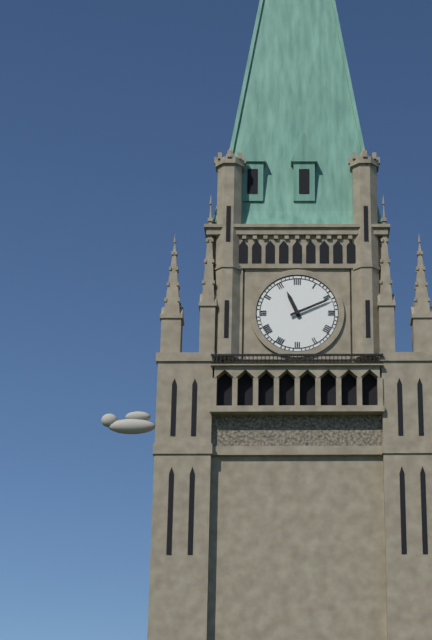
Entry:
h=11 m=11
